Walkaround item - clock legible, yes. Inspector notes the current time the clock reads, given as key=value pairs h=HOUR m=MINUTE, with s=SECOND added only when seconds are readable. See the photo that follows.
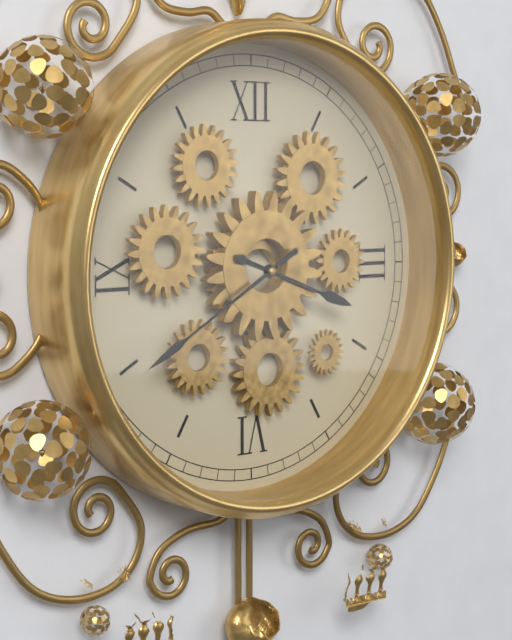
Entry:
h=3 m=40
